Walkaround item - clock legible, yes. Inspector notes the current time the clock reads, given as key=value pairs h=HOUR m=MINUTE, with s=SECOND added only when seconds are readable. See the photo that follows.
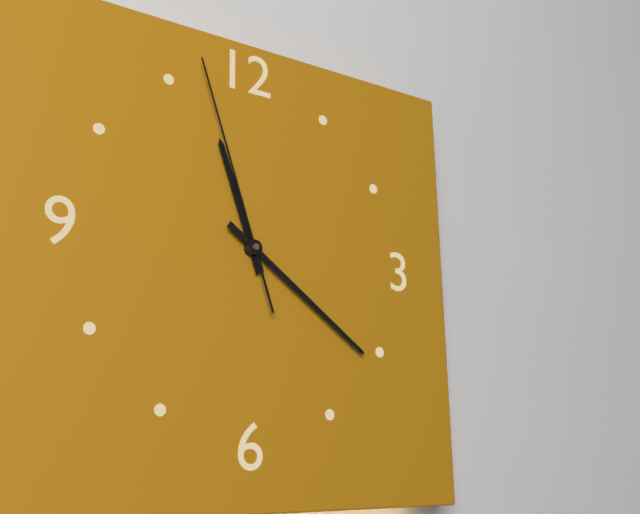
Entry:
h=11 m=21 s=57
